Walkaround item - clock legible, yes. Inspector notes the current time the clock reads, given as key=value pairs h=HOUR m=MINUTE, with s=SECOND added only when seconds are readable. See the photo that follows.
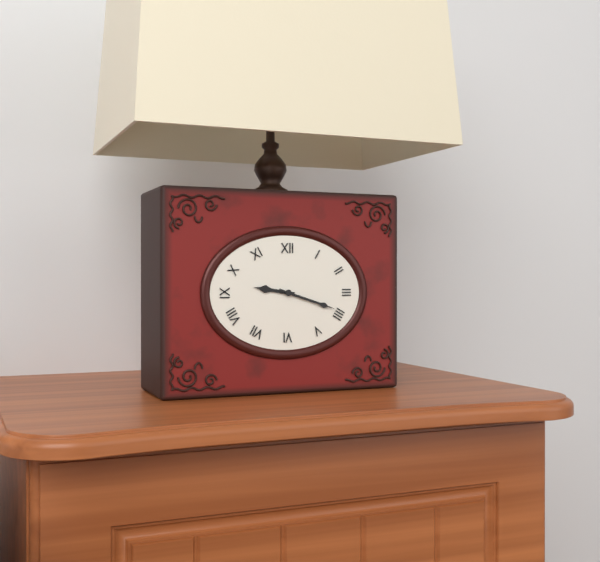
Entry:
h=9 m=18
